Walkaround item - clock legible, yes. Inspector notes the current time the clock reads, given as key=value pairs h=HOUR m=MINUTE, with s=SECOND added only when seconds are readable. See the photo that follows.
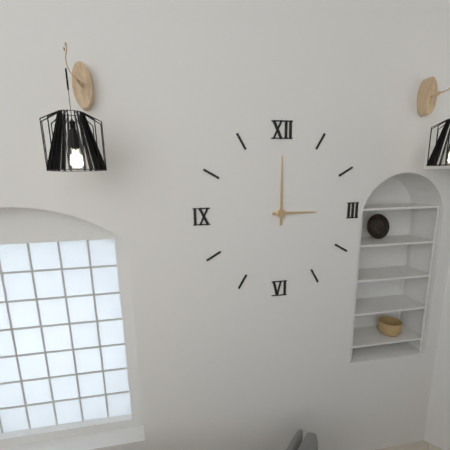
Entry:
h=3 m=0
